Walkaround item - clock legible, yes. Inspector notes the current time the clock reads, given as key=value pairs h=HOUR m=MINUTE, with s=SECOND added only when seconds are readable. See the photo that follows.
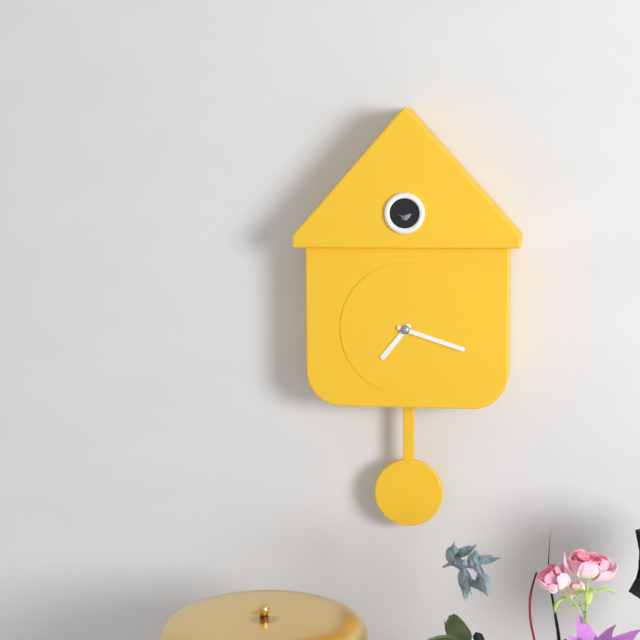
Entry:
h=7 m=18
